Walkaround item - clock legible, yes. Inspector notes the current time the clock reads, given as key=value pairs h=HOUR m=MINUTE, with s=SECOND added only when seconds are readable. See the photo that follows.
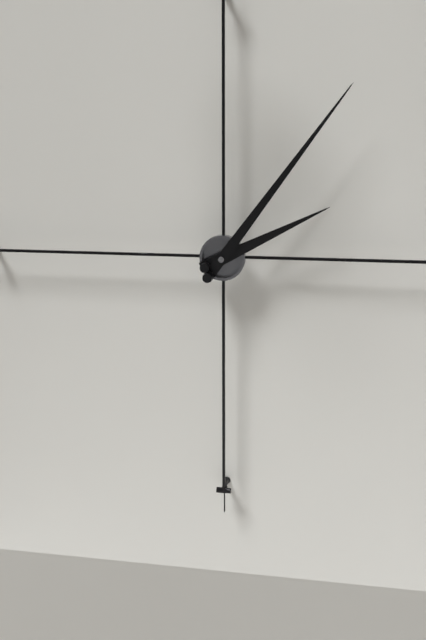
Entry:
h=2 m=6
